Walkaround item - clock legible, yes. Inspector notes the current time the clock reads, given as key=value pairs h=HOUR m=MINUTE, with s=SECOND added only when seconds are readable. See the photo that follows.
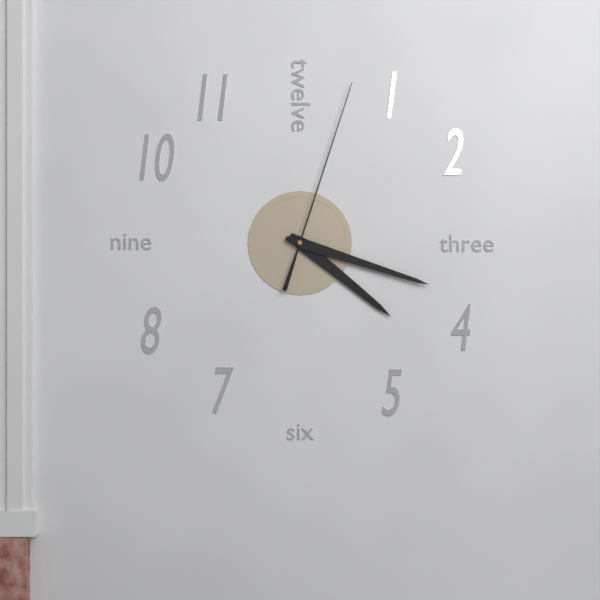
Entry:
h=4 m=18 s=3
